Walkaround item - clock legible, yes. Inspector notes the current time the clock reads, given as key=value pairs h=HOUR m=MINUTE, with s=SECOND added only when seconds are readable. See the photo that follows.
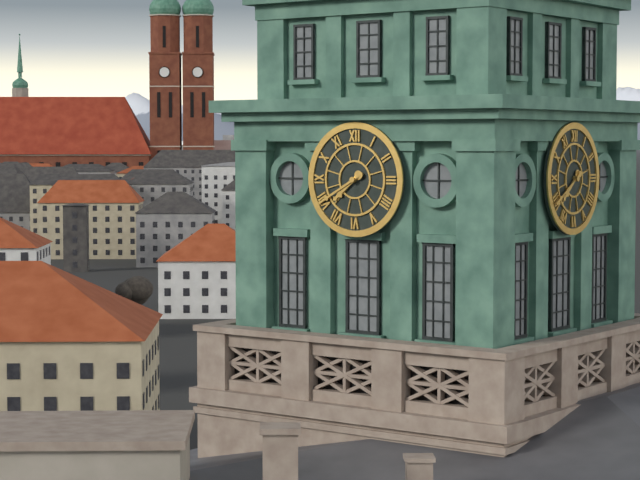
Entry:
h=7 m=40
